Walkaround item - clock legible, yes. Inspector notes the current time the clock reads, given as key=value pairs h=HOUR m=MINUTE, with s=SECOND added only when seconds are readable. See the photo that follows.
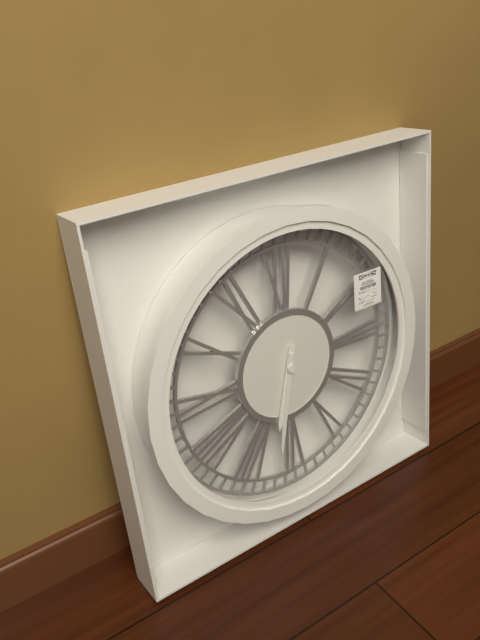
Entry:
h=6 m=32
